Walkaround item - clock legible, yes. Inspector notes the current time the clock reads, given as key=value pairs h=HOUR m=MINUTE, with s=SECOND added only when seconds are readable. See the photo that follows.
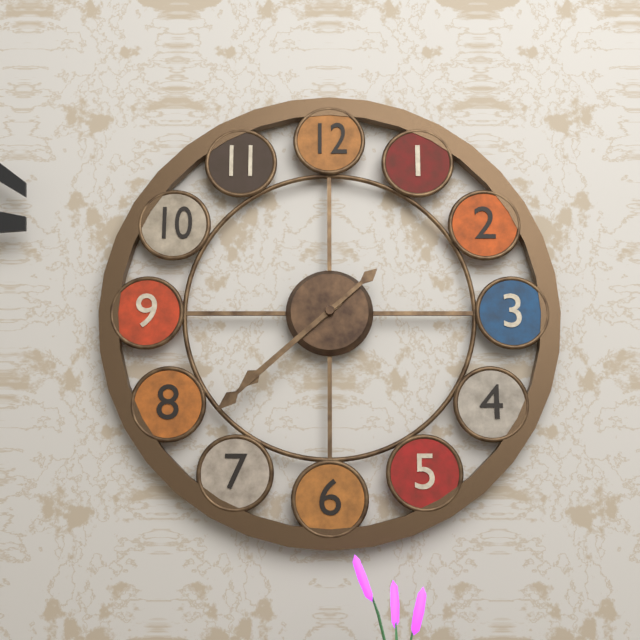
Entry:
h=7 m=38
